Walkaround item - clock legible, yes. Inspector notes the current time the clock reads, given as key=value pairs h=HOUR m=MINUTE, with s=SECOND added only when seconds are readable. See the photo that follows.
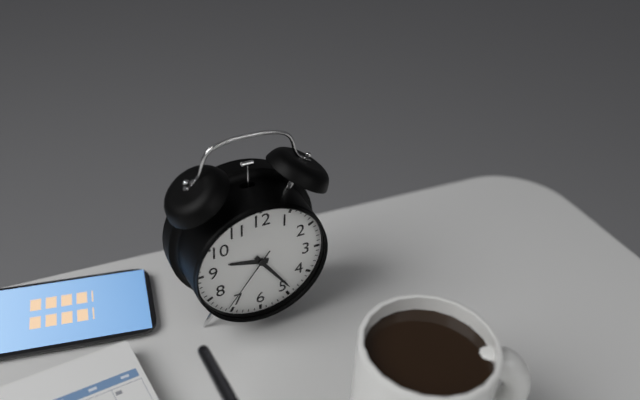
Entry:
h=9 m=24 s=36
